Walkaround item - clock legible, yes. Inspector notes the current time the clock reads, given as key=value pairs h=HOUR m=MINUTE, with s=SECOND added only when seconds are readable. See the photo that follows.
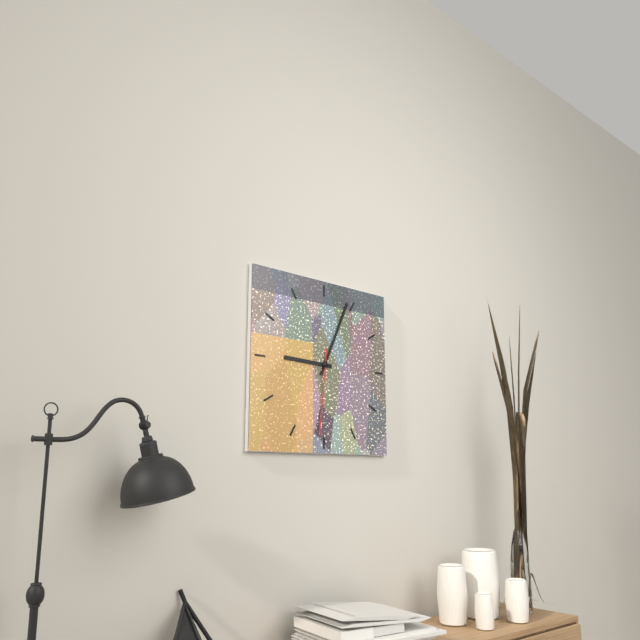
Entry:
h=9 m=4 s=31
